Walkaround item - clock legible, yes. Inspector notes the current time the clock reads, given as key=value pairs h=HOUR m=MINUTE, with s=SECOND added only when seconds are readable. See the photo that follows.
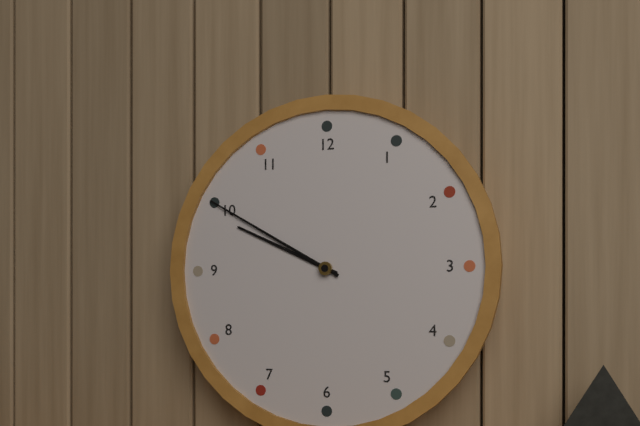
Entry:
h=9 m=50
